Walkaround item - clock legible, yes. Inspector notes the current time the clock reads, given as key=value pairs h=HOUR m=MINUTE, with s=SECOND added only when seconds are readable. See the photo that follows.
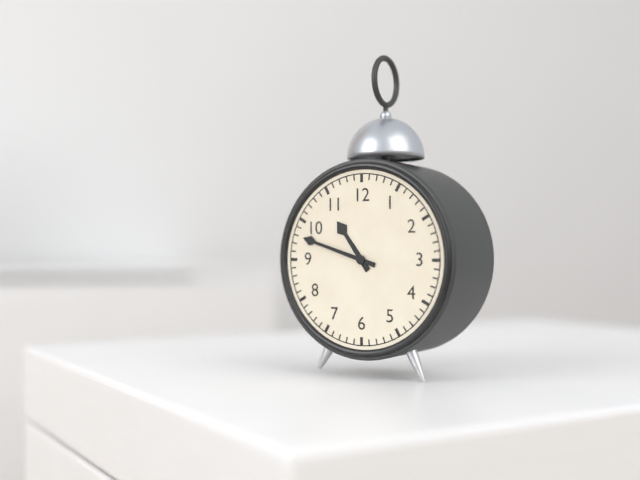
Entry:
h=10 m=48
